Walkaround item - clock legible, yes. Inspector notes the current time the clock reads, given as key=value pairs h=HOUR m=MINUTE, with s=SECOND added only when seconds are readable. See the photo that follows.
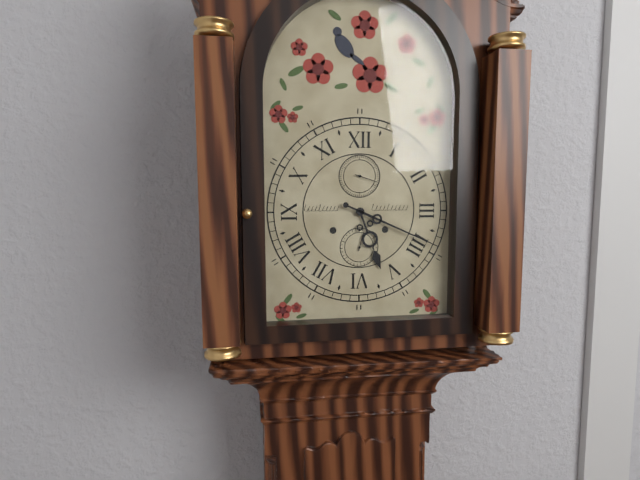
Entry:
h=5 m=19
